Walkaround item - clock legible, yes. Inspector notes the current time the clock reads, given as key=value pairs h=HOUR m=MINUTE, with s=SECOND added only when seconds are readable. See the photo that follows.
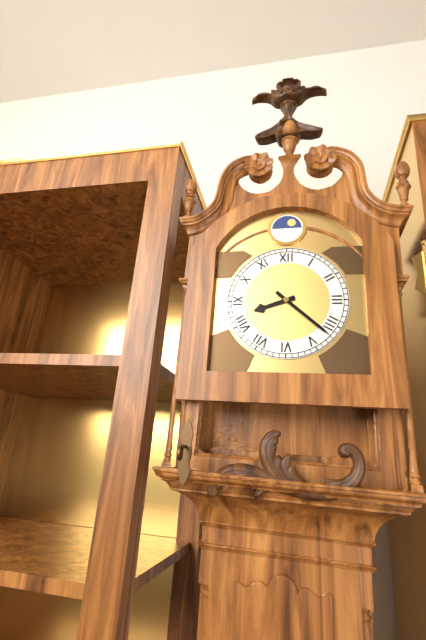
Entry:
h=8 m=22
